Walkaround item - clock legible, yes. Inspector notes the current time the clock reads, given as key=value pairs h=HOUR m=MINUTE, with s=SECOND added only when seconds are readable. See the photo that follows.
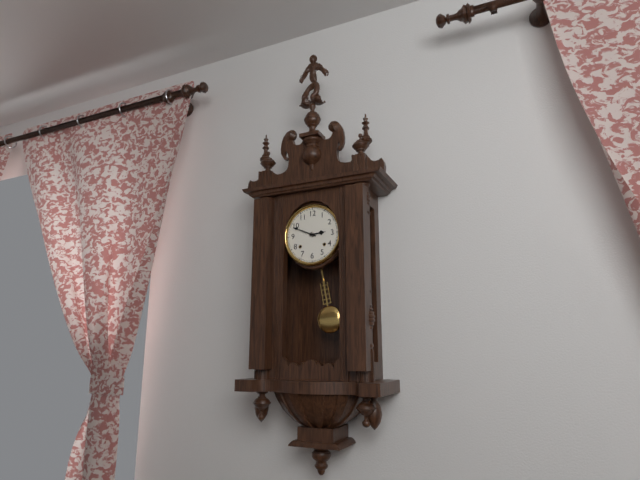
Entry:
h=2 m=49
